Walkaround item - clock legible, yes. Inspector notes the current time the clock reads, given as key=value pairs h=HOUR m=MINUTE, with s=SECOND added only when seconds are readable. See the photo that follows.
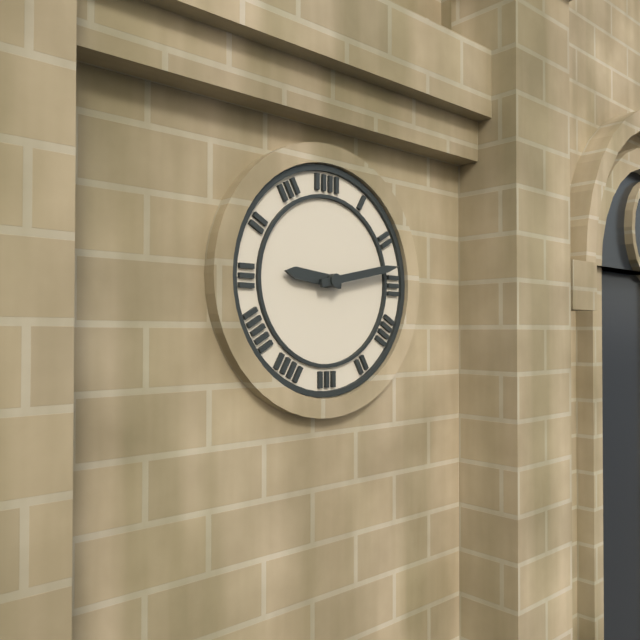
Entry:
h=9 m=13
